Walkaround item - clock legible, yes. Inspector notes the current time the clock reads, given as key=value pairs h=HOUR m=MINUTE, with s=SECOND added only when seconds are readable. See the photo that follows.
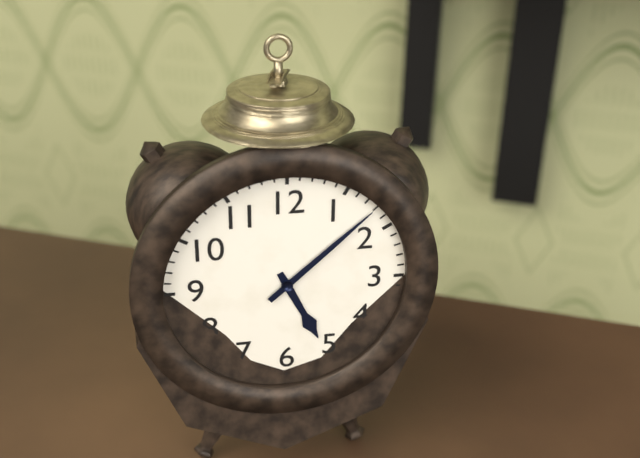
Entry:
h=5 m=8
